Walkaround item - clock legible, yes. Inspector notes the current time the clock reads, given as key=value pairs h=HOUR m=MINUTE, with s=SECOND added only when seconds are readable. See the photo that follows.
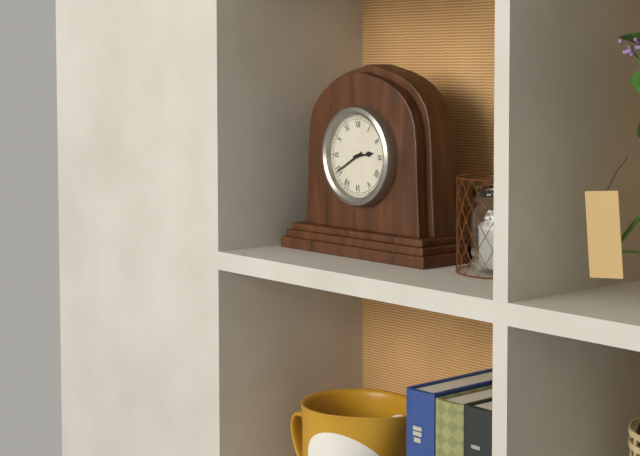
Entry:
h=2 m=40
